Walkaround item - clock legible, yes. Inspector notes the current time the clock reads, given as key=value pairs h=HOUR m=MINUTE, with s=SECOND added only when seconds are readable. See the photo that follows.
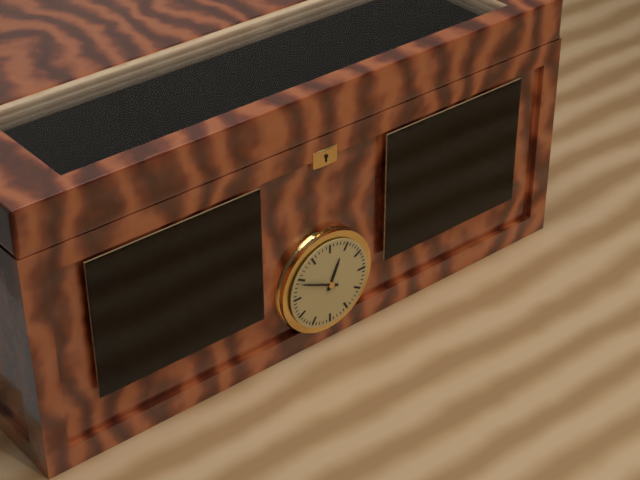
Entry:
h=12 m=49
